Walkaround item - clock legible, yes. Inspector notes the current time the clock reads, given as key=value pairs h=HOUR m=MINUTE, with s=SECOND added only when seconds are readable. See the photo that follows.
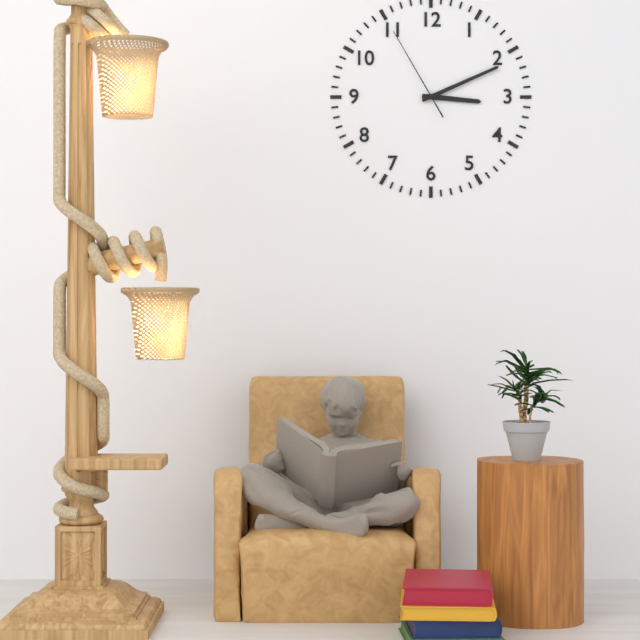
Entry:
h=3 m=11 s=55
